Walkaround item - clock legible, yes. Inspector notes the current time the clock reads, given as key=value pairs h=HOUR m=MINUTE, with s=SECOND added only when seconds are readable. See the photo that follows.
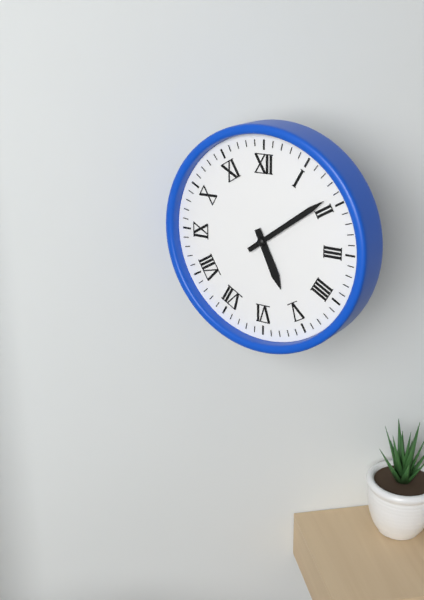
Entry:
h=5 m=9
